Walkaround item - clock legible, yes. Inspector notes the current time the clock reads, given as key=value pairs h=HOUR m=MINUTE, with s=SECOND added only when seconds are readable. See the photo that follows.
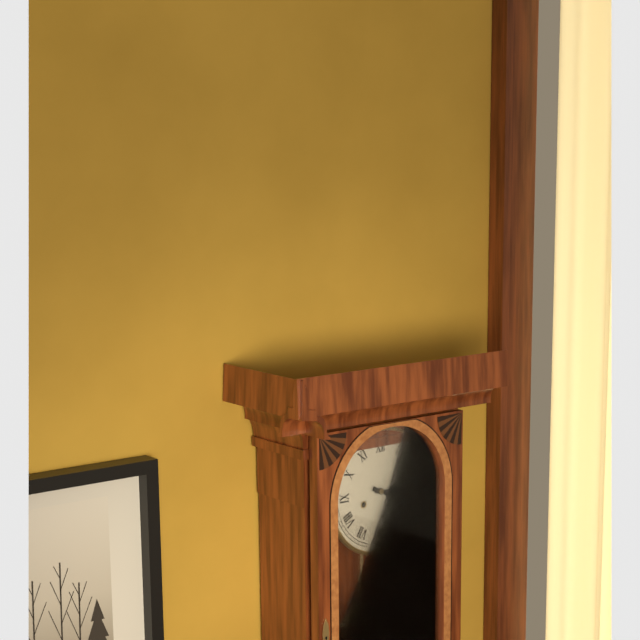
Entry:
h=3 m=19
